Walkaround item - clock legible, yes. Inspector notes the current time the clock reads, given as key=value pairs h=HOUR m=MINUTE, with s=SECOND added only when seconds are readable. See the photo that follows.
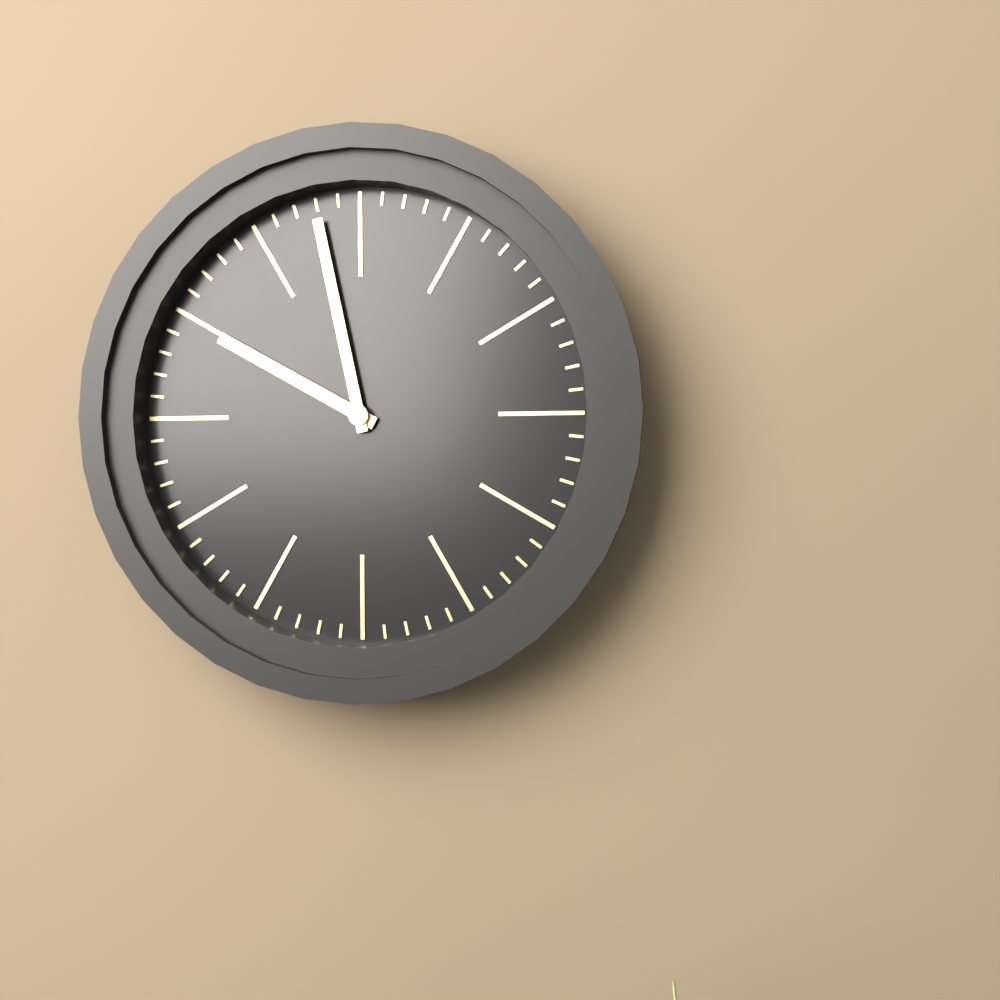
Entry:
h=9 m=58
